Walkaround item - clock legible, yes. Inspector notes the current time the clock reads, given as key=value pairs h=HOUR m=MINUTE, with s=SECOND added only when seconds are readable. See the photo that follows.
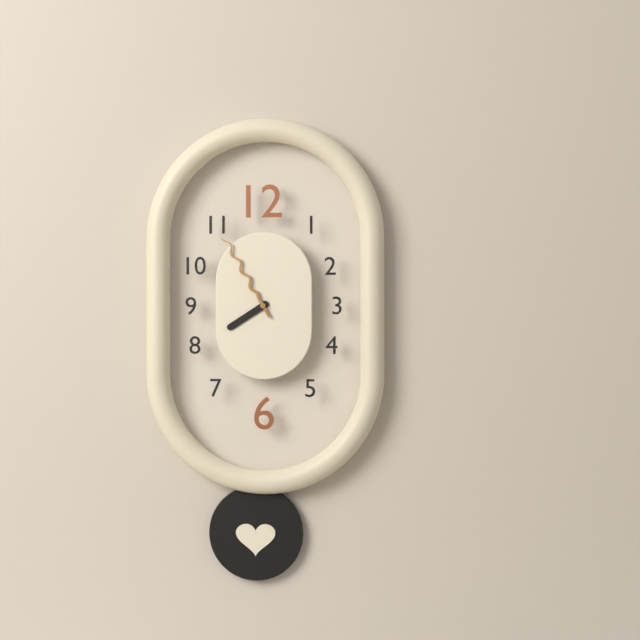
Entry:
h=7 m=55
